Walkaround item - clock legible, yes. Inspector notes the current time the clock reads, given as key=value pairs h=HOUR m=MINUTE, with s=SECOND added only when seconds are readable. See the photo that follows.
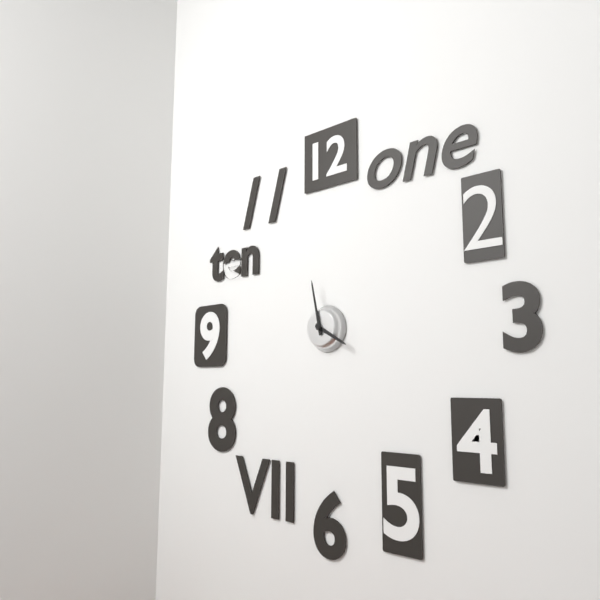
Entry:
h=3 m=58
